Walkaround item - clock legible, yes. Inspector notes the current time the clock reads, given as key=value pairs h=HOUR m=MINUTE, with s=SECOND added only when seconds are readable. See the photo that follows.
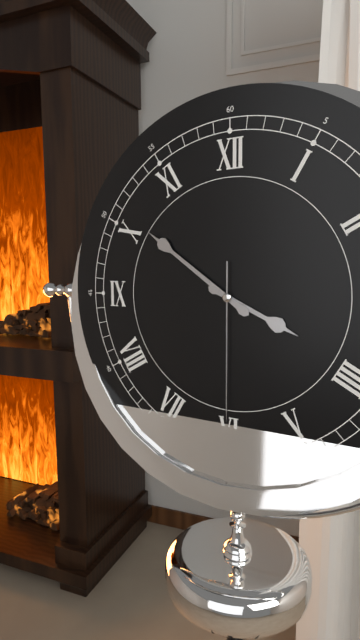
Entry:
h=3 m=51 s=30
